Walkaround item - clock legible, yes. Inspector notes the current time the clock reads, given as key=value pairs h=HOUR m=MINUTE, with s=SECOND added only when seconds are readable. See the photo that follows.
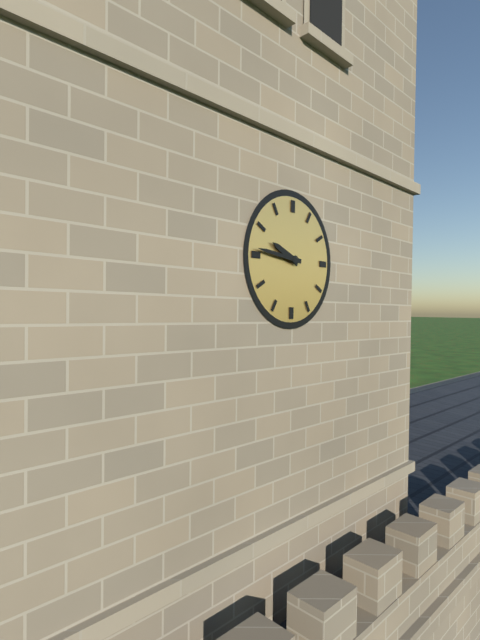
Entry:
h=9 m=46
